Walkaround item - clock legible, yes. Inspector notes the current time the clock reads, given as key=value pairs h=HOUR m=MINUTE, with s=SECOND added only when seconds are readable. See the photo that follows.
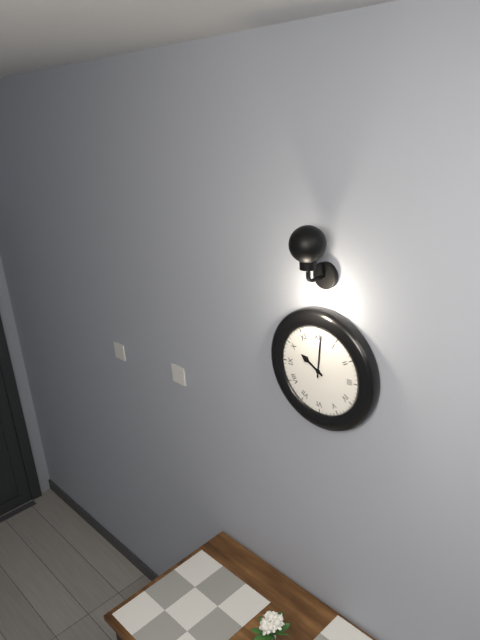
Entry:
h=10 m=1
